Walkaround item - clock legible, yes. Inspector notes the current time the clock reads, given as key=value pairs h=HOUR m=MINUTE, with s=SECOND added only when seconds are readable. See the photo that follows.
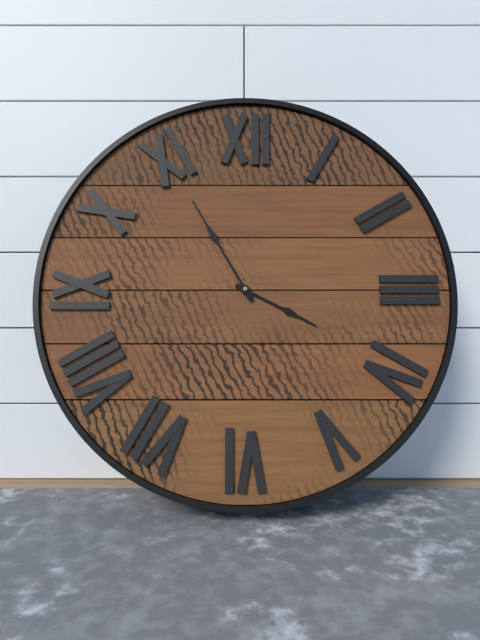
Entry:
h=3 m=55
